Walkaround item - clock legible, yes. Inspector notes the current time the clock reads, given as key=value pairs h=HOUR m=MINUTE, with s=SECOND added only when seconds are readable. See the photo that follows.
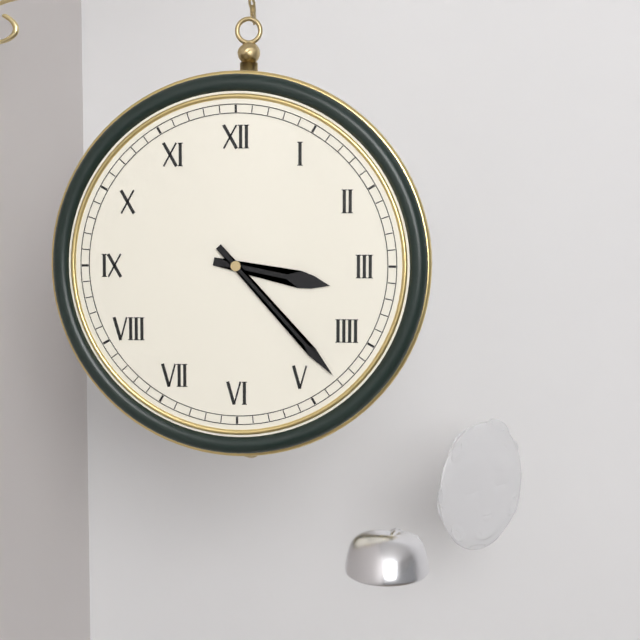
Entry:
h=3 m=23
